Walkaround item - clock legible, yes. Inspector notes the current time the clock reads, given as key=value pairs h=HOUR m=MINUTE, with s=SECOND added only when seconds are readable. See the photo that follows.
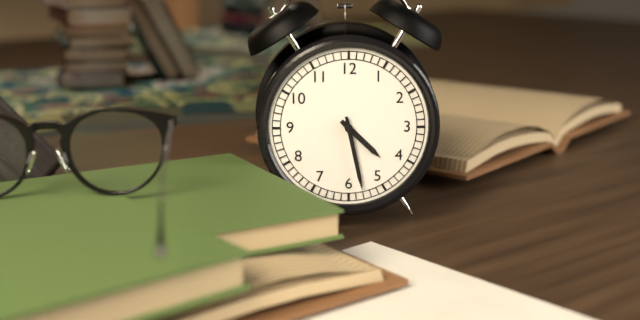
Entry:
h=4 m=28
